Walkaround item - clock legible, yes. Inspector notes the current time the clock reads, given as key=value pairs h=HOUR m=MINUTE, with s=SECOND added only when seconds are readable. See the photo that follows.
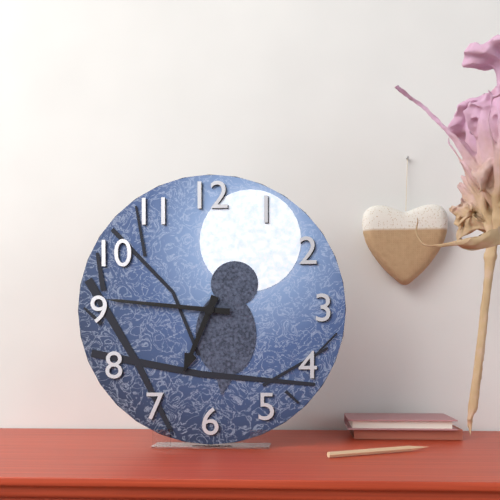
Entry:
h=6 m=46
